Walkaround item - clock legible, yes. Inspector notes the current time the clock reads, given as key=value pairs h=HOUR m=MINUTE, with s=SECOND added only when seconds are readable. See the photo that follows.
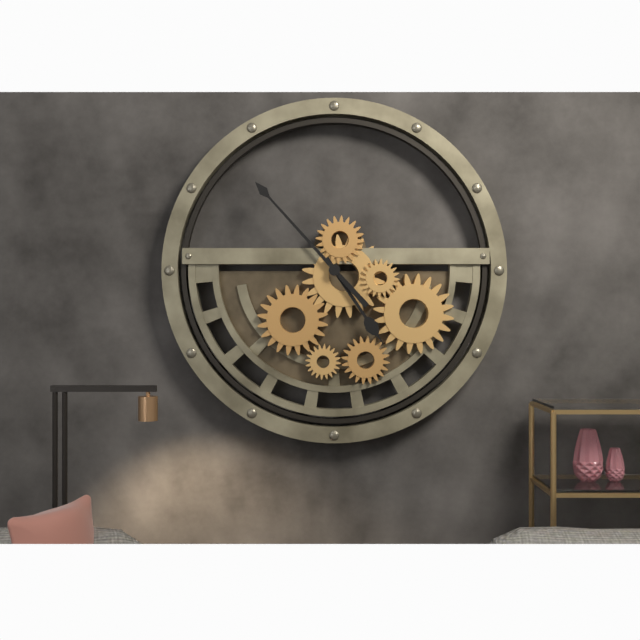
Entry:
h=4 m=53
